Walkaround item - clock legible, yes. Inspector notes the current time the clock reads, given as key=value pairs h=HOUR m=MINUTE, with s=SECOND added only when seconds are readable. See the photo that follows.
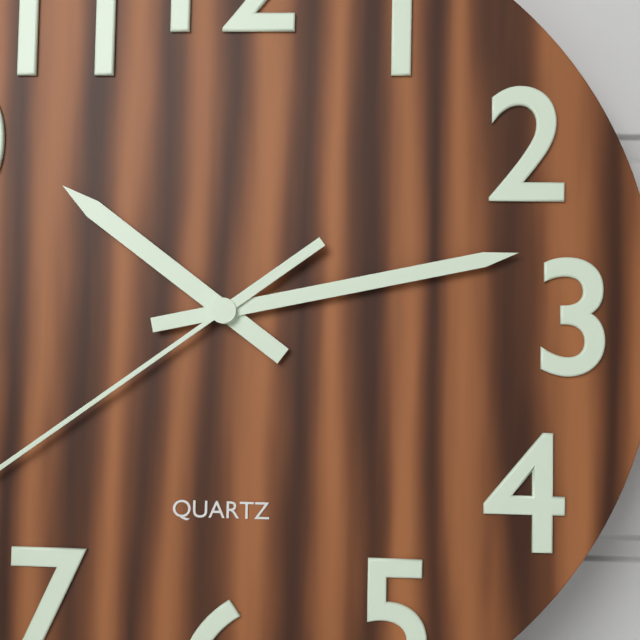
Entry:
h=10 m=13
